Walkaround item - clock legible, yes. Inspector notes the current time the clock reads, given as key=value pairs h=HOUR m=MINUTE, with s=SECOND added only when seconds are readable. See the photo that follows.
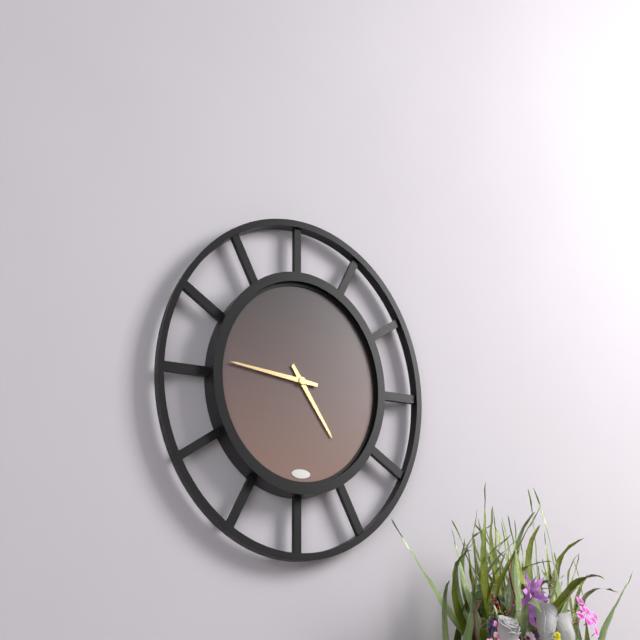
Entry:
h=4 m=46
